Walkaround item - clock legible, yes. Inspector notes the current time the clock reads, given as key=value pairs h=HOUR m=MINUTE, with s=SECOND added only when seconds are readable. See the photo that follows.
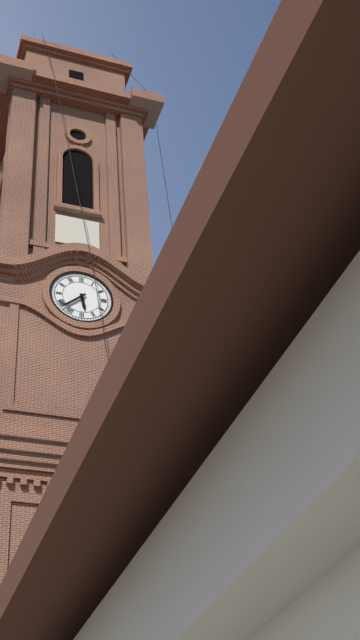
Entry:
h=5 m=38
